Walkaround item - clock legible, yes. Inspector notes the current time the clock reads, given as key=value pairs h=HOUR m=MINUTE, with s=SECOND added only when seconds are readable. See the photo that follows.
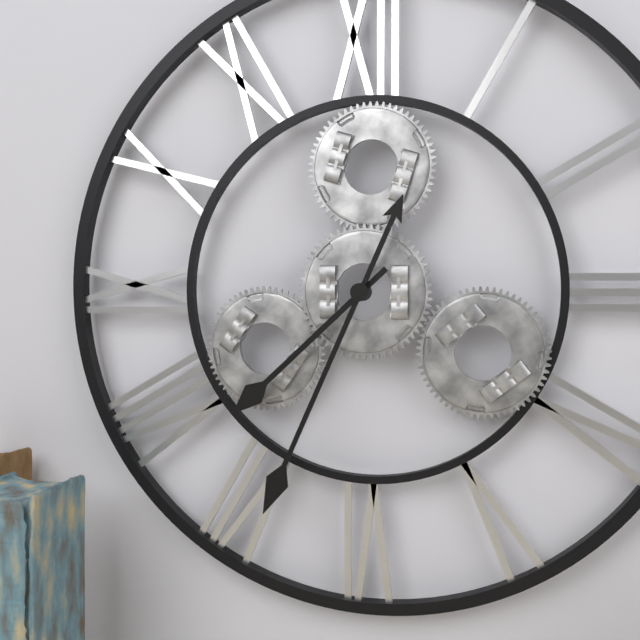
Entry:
h=7 m=34
